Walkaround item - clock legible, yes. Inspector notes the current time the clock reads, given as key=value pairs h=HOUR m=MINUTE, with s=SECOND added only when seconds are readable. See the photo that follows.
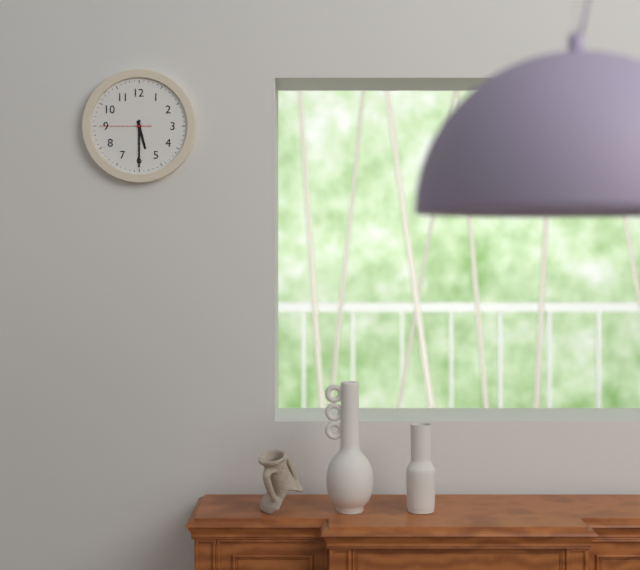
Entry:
h=5 m=30
